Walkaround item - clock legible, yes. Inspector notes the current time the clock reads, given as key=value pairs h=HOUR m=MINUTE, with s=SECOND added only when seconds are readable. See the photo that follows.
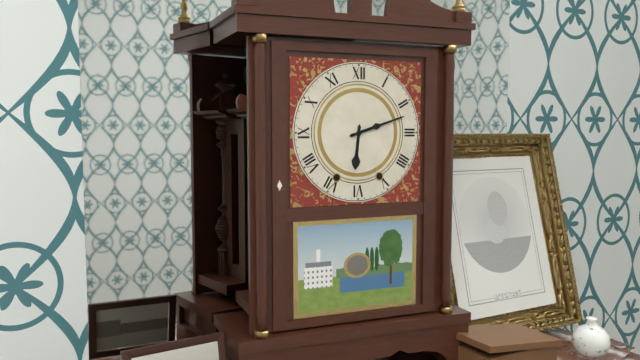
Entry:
h=6 m=12
